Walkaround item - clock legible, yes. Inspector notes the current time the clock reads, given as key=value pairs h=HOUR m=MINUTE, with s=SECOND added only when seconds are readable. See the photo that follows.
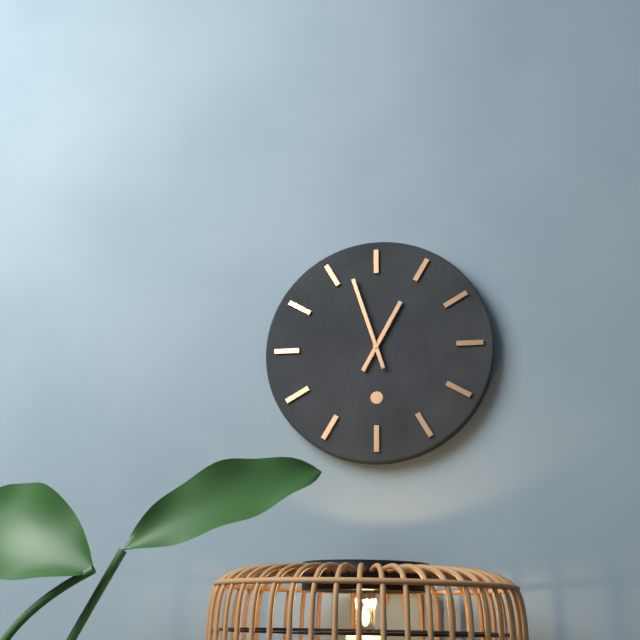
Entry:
h=12 m=57
